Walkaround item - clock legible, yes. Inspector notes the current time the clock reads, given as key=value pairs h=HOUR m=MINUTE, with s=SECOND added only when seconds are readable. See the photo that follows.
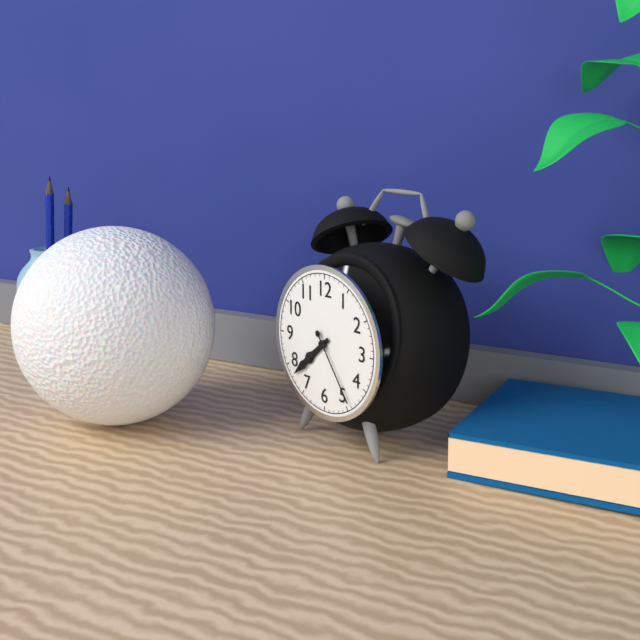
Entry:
h=7 m=38 s=24
